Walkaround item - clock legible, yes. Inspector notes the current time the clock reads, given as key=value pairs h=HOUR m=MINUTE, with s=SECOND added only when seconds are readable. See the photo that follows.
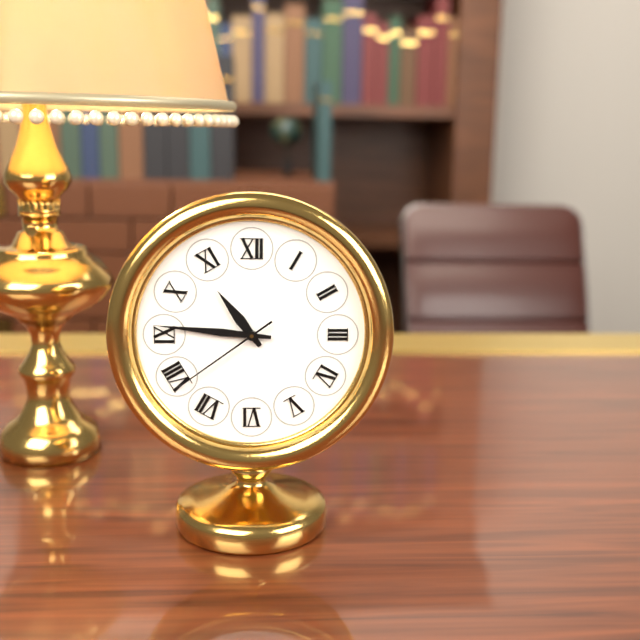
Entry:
h=10 m=46 s=39
